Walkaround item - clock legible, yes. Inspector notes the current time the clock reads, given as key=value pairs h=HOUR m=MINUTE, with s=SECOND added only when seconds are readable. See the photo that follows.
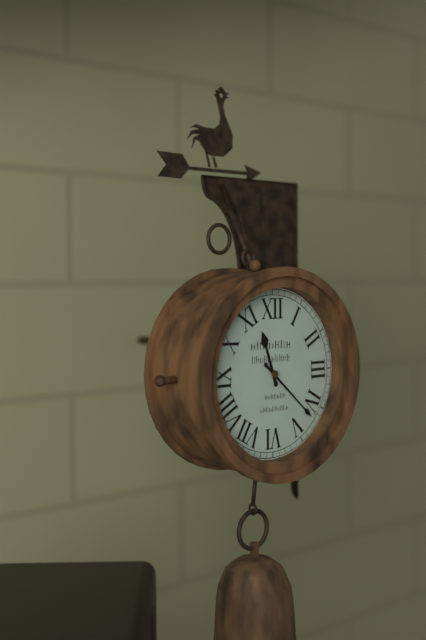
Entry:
h=11 m=22
